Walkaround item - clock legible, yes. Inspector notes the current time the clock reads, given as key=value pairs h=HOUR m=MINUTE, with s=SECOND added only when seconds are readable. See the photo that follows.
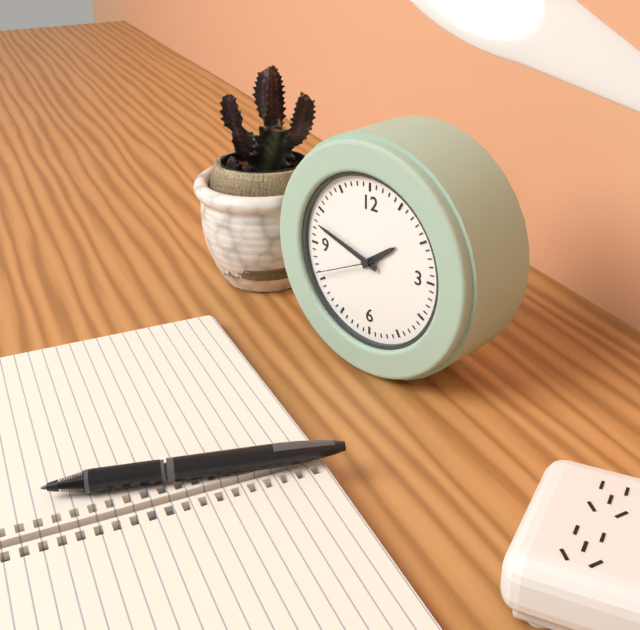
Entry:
h=1 m=48 s=41
